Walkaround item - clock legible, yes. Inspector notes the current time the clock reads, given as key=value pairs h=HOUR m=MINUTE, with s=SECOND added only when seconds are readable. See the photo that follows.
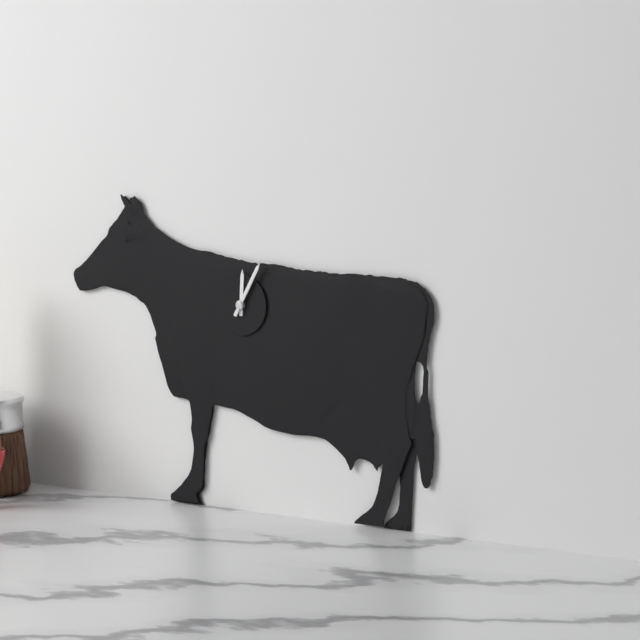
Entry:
h=12 m=5
